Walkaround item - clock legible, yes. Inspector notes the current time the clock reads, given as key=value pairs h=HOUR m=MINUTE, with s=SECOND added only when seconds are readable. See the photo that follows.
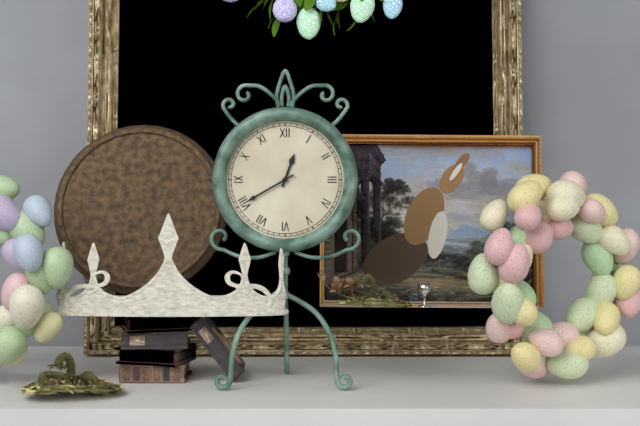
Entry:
h=12 m=40
